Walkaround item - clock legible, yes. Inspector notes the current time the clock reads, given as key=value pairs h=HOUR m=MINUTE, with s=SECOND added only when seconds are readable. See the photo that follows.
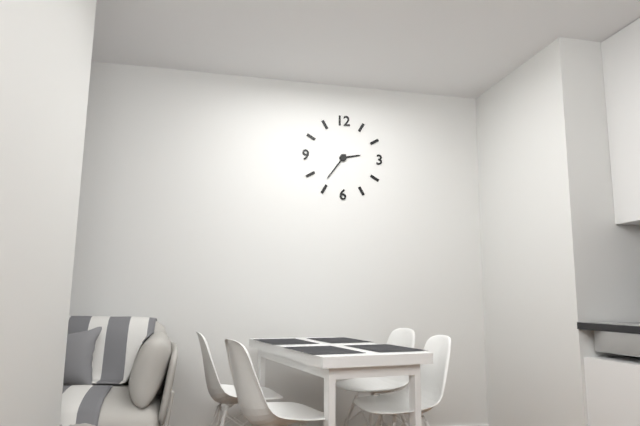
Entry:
h=2 m=36
